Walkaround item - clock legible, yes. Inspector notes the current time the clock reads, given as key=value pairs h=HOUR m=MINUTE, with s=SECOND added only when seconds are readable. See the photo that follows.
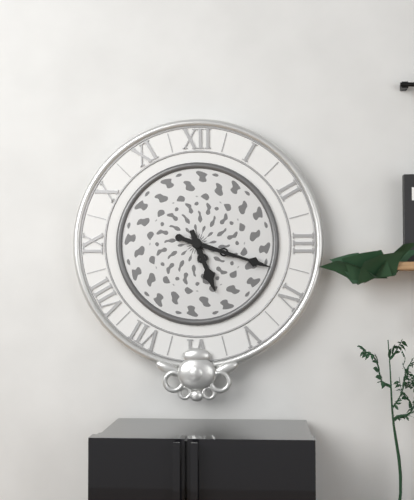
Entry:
h=5 m=18
